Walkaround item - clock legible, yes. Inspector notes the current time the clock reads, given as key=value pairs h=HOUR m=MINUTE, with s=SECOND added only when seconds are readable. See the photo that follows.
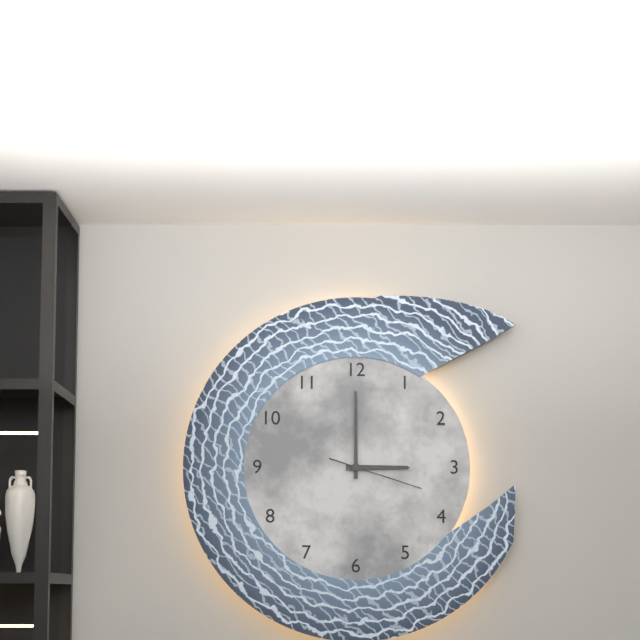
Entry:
h=3 m=0 s=18
